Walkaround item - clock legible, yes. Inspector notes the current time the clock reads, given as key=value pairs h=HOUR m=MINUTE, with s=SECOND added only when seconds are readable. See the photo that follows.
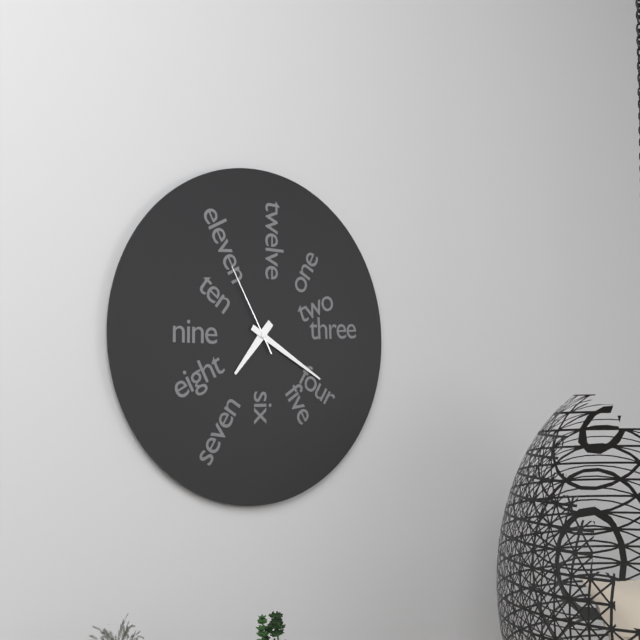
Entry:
h=7 m=20 s=55
